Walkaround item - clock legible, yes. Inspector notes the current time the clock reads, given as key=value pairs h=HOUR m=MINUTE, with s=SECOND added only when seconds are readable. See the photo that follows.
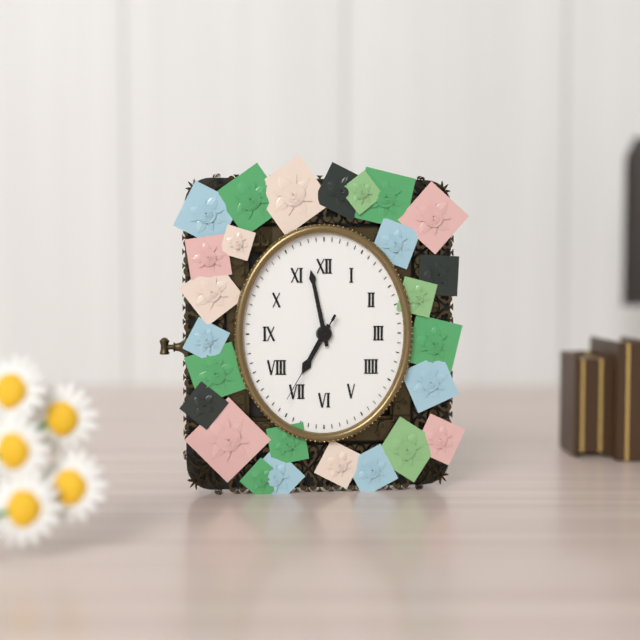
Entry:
h=6 m=58 s=35
